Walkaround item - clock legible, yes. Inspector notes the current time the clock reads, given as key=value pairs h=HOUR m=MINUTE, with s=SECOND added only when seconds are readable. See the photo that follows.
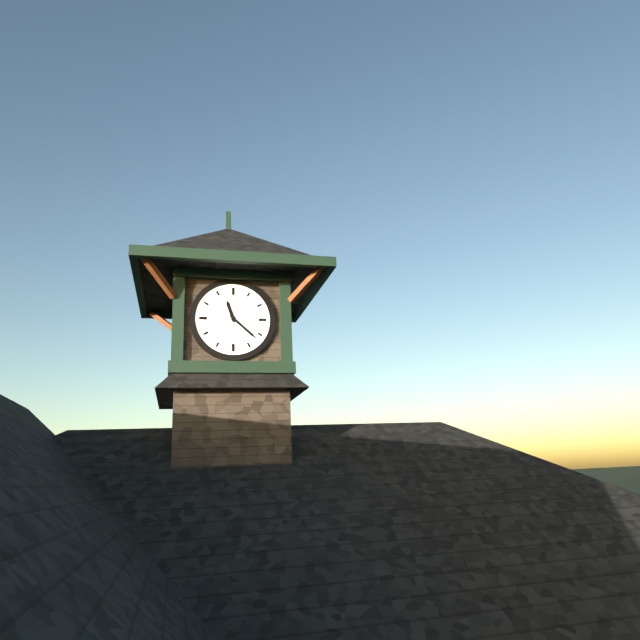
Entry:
h=11 m=22
